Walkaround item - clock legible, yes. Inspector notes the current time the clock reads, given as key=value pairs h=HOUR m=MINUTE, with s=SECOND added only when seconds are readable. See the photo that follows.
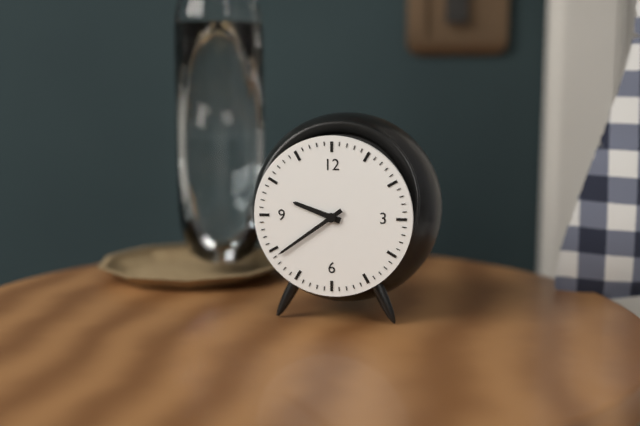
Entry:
h=9 m=39
